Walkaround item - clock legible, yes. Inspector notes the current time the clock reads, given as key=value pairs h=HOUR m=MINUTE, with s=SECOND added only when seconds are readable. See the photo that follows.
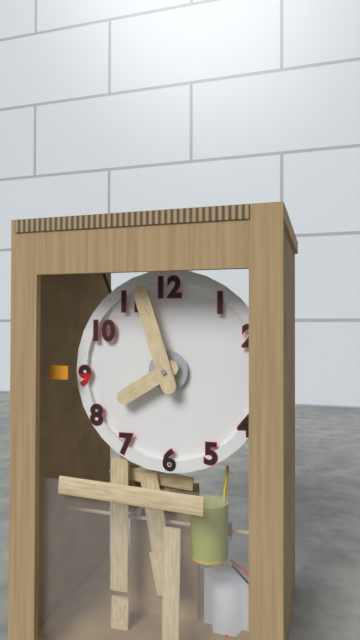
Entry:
h=7 m=57
